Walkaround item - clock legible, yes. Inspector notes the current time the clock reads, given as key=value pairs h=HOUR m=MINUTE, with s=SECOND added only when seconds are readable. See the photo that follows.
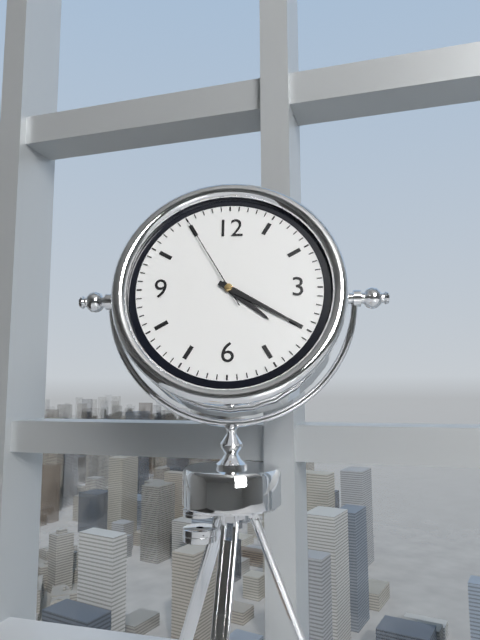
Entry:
h=4 m=20 s=55
